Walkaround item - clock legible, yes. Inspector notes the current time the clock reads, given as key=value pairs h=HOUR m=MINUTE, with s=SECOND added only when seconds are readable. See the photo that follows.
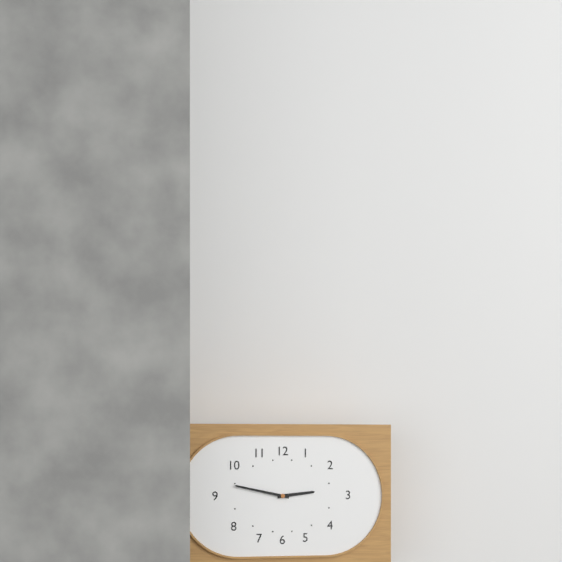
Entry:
h=2 m=47
